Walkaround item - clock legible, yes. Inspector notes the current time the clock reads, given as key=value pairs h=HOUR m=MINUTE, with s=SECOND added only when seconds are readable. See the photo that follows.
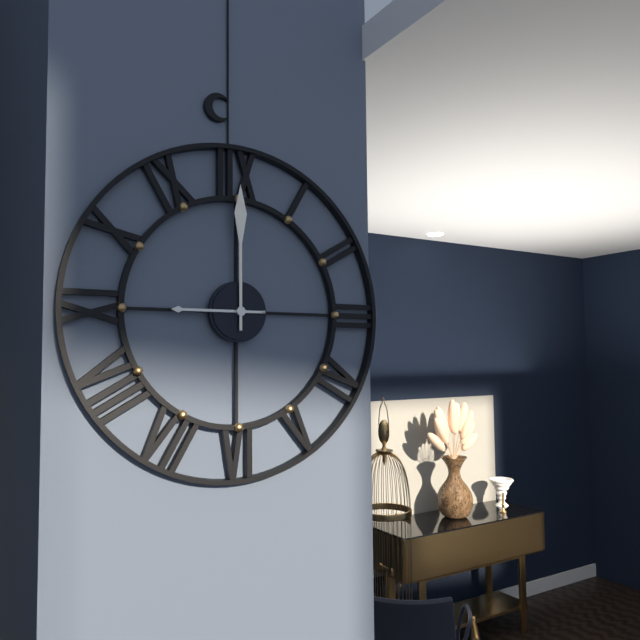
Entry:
h=9 m=0
